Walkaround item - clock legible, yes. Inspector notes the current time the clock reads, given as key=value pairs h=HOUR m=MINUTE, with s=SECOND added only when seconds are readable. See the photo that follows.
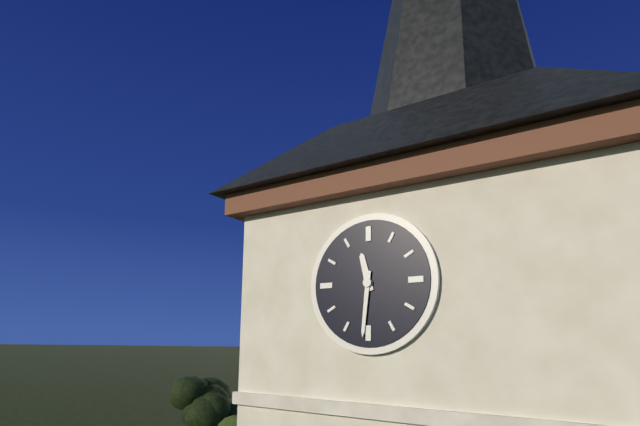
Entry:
h=11 m=31
